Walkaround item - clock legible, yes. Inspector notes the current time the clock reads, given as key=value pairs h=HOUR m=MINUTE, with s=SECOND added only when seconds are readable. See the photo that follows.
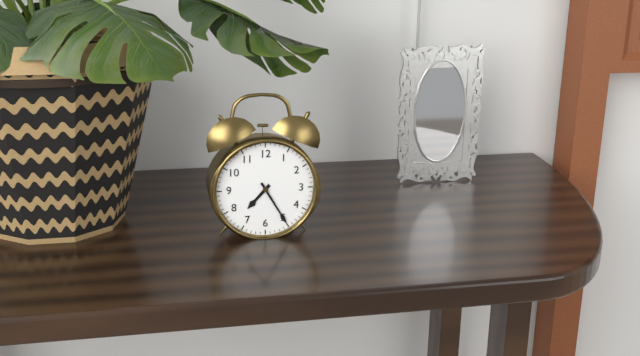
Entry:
h=7 m=25
